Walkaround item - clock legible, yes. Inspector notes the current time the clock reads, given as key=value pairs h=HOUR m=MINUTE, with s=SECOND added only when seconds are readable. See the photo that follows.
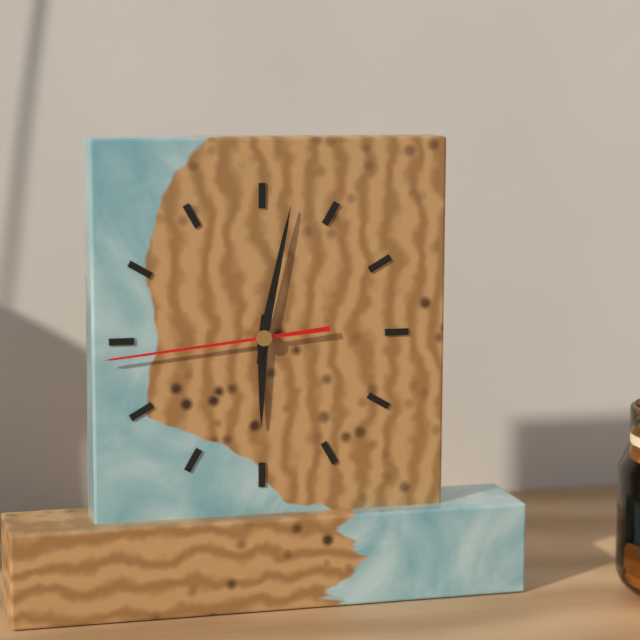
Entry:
h=6 m=2 s=44
